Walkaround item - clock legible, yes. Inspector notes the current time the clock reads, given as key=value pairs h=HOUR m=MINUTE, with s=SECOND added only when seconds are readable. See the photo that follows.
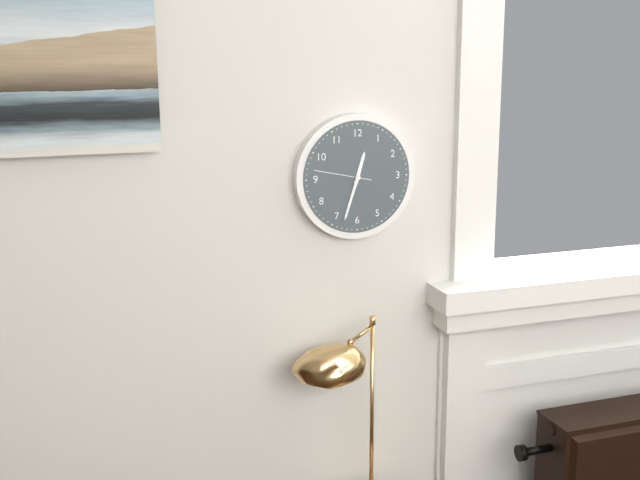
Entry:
h=12 m=33 s=47
